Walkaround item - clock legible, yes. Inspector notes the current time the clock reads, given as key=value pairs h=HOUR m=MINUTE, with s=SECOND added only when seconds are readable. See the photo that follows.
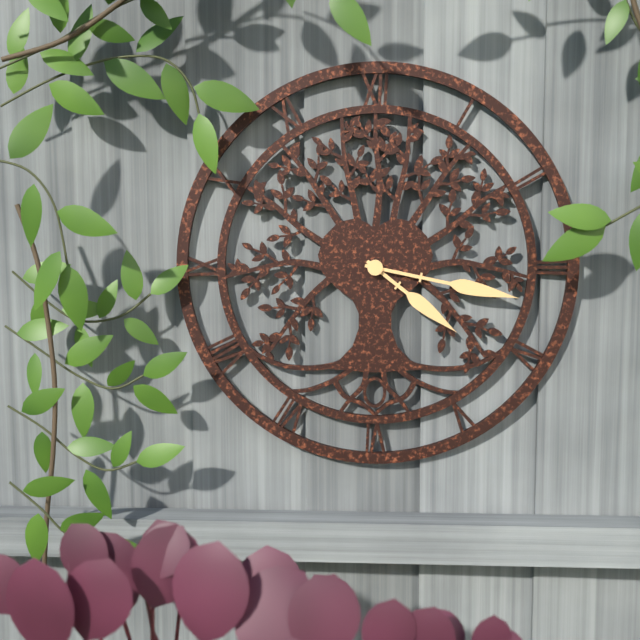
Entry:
h=4 m=17
